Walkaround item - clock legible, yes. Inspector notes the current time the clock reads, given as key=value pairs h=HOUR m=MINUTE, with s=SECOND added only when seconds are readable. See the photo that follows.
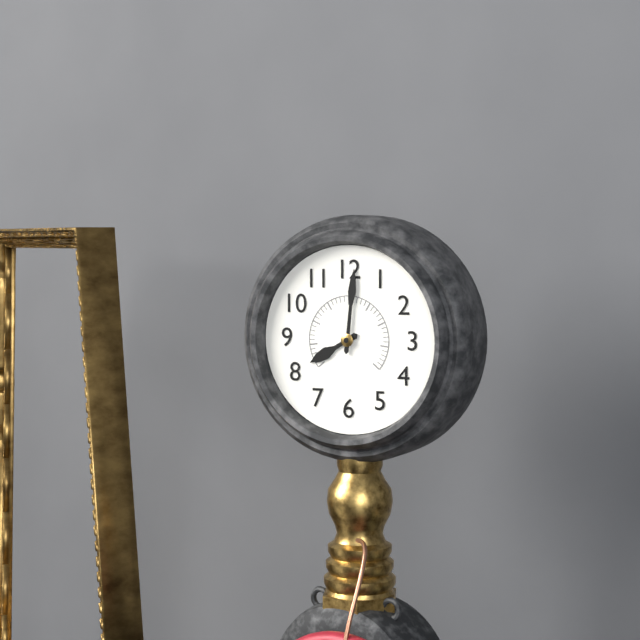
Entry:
h=8 m=1
